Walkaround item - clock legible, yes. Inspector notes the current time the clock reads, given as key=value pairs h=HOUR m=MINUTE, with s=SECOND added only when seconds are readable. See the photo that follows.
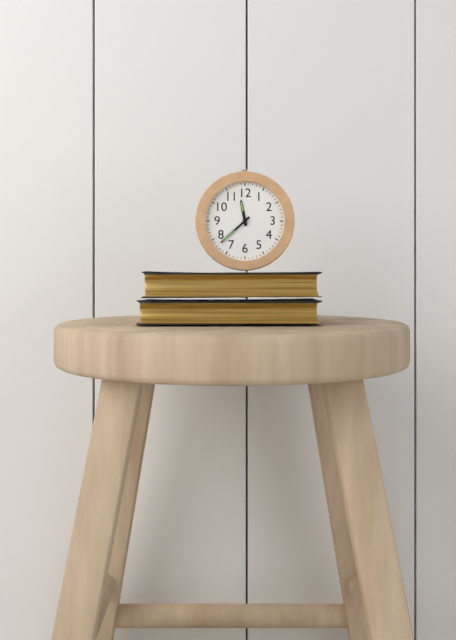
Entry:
h=11 m=38
